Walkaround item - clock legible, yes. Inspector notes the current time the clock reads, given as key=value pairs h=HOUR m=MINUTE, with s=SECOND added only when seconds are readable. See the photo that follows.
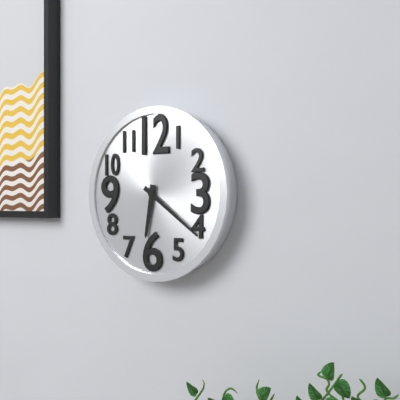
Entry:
h=6 m=21
